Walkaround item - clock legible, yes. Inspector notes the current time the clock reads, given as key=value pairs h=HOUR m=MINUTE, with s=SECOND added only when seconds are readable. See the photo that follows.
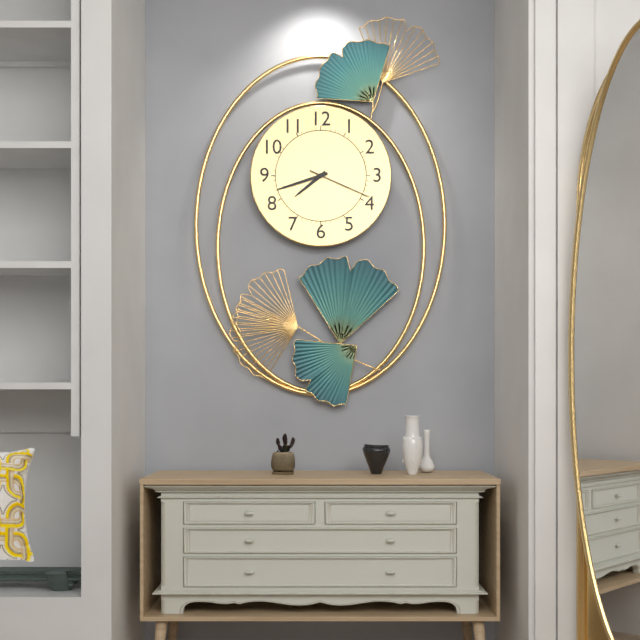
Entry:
h=7 m=42 s=19
